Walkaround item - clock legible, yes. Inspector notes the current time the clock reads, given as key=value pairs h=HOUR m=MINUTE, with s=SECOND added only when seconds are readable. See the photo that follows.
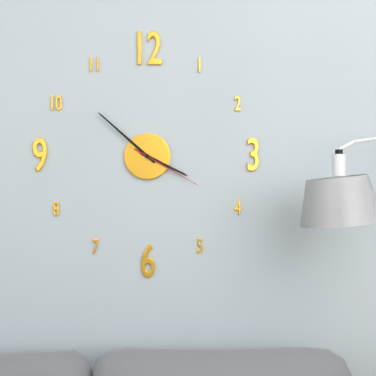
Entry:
h=3 m=52 s=20
